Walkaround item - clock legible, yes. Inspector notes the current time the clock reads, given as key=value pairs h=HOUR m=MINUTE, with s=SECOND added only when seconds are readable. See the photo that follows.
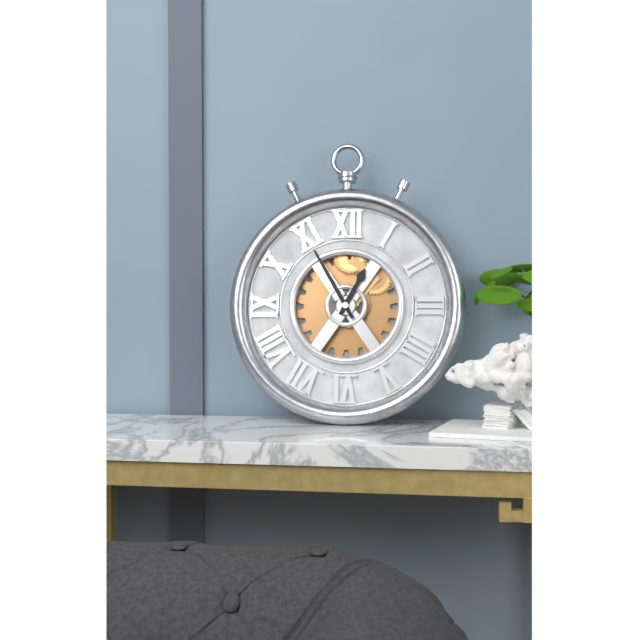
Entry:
h=12 m=55
